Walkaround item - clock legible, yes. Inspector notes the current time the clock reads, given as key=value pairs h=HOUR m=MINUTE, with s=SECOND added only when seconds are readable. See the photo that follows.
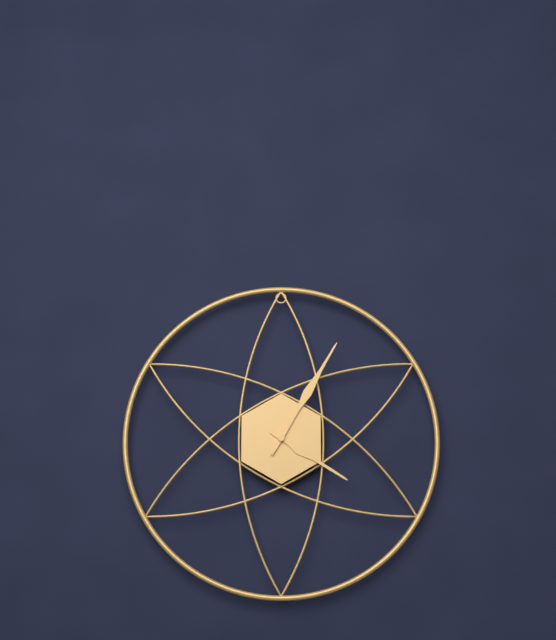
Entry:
h=4 m=5
